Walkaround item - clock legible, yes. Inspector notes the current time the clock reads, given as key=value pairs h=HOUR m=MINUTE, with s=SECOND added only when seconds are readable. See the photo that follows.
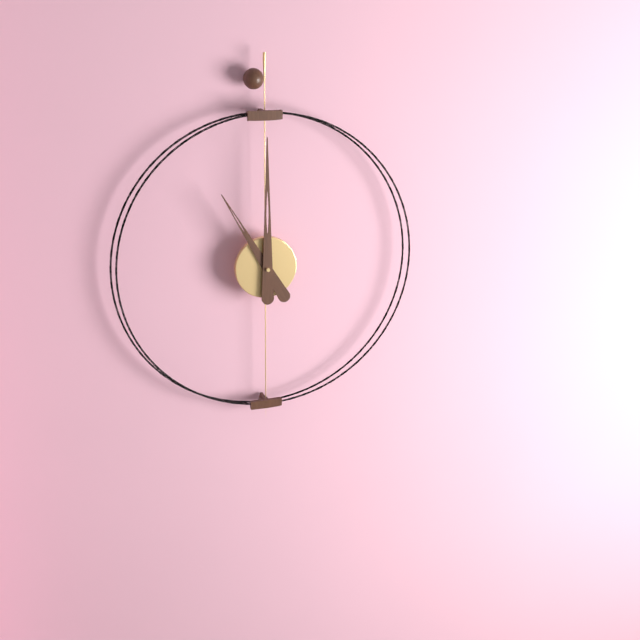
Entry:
h=11 m=0
